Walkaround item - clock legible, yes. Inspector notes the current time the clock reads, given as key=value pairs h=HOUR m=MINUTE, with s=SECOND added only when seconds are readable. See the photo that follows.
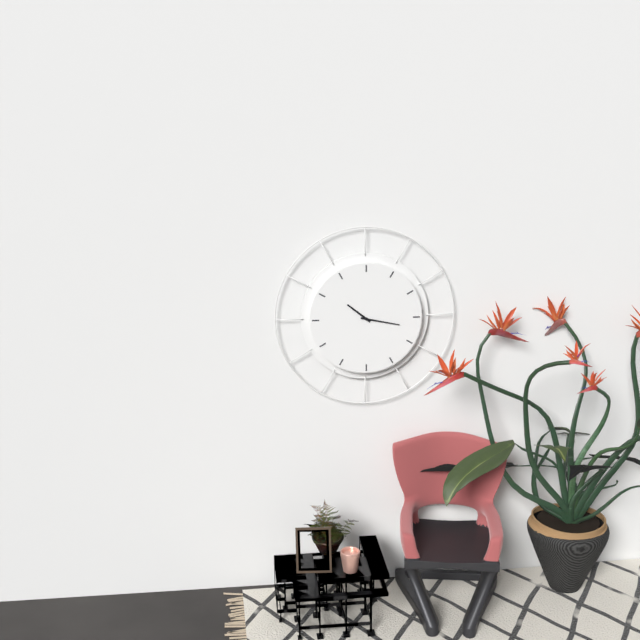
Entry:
h=10 m=17
